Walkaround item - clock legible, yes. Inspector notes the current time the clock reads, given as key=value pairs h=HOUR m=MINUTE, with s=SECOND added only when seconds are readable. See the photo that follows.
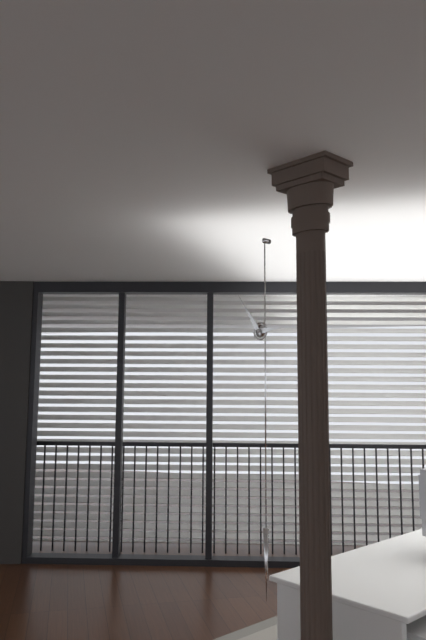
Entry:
h=2 m=54
